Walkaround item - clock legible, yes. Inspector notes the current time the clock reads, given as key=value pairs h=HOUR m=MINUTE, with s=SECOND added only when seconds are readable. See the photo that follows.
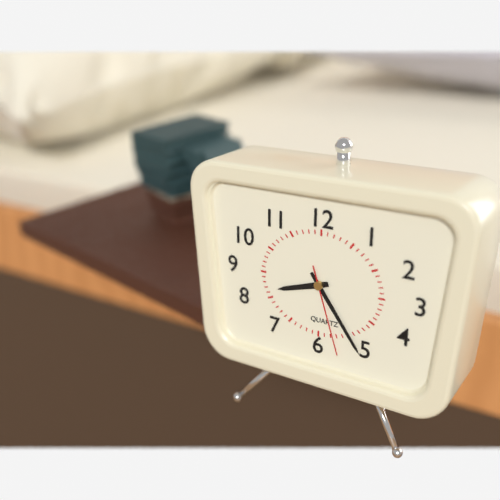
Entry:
h=8 m=24 s=27
